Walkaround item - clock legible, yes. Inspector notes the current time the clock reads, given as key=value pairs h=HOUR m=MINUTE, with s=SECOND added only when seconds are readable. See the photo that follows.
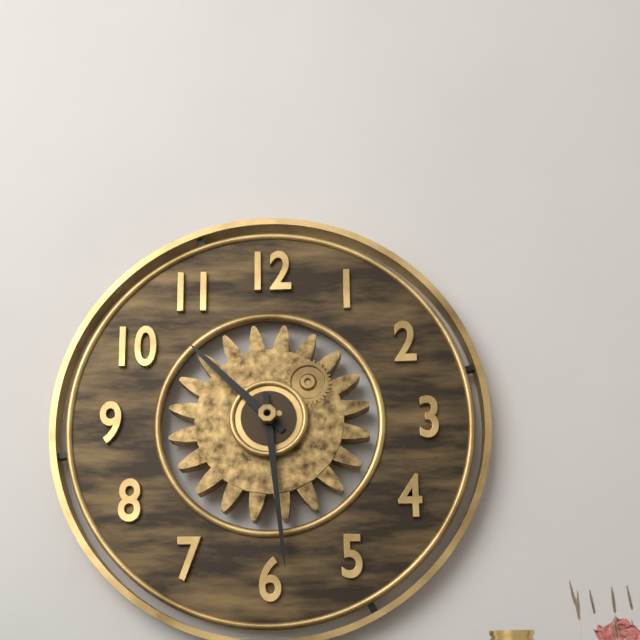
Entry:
h=10 m=29
